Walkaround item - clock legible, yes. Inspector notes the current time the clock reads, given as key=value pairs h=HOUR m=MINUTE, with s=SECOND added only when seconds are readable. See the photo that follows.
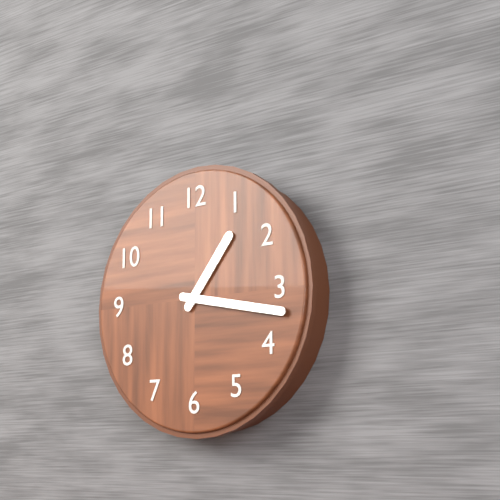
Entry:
h=1 m=17
